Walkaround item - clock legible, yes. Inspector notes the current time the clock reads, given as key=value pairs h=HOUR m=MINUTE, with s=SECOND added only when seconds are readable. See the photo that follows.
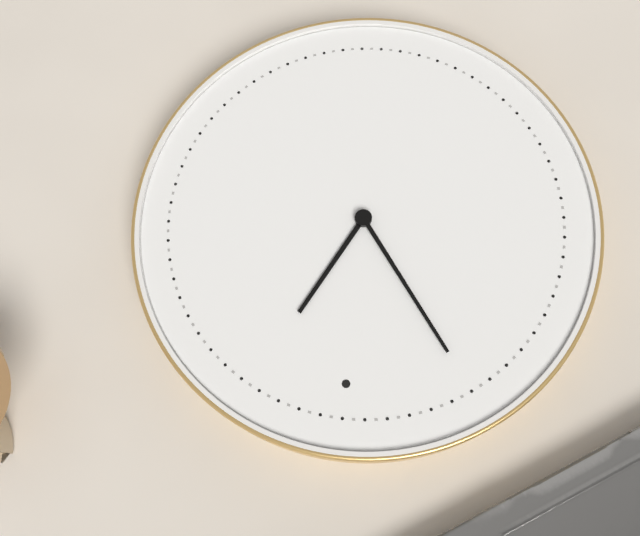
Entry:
h=12 m=54
